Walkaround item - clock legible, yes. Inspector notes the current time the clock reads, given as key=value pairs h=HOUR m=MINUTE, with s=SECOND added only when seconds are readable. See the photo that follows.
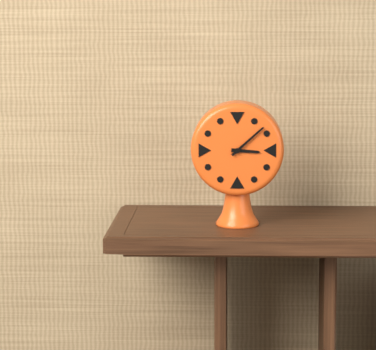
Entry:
h=3 m=8
